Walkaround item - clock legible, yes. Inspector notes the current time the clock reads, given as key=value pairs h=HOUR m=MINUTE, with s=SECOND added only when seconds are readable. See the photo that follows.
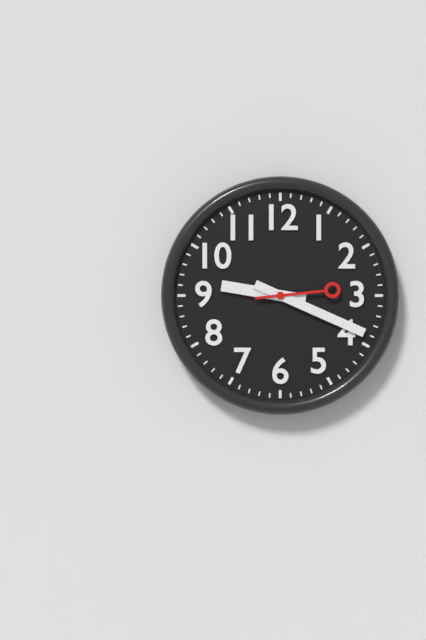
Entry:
h=9 m=19 s=14
